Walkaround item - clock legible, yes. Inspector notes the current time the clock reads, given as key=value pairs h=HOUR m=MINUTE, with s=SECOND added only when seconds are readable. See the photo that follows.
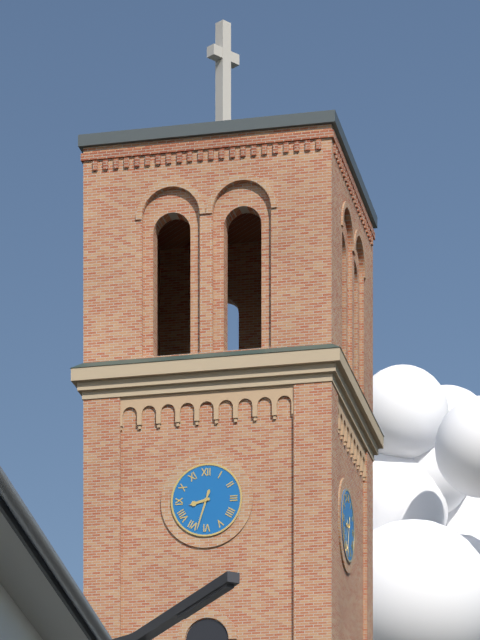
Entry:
h=8 m=33
